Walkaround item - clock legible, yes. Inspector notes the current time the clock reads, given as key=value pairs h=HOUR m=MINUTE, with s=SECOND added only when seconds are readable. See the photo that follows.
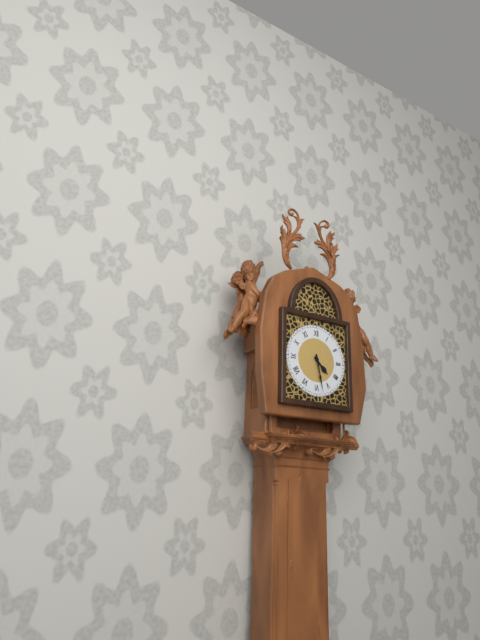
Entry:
h=4 m=28
